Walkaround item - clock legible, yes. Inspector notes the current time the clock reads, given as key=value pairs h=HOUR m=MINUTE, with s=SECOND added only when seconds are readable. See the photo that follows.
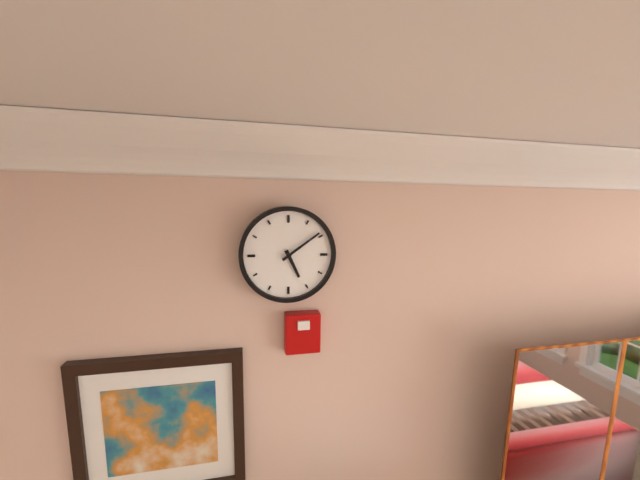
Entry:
h=5 m=9
